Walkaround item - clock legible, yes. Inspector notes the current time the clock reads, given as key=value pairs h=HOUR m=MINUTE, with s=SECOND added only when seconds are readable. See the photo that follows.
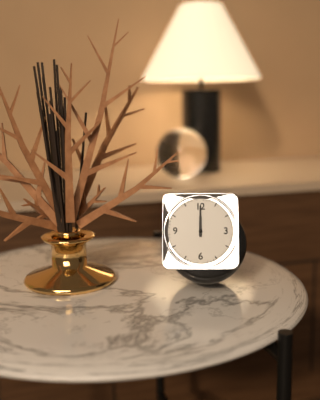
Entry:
h=12 m=0
